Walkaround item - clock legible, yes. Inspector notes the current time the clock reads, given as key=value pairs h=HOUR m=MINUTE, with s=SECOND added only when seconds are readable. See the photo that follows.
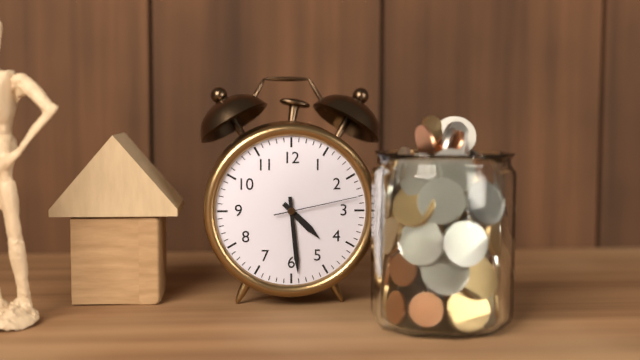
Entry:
h=4 m=29 s=13
